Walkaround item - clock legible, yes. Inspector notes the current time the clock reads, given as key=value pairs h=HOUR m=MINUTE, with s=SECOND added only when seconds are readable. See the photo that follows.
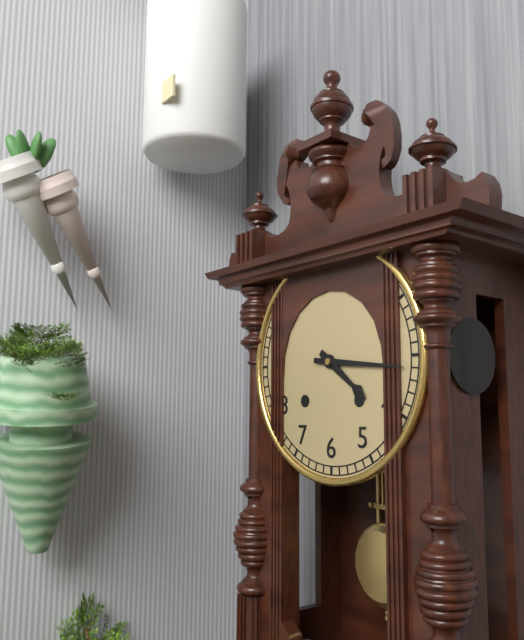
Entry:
h=4 m=16
